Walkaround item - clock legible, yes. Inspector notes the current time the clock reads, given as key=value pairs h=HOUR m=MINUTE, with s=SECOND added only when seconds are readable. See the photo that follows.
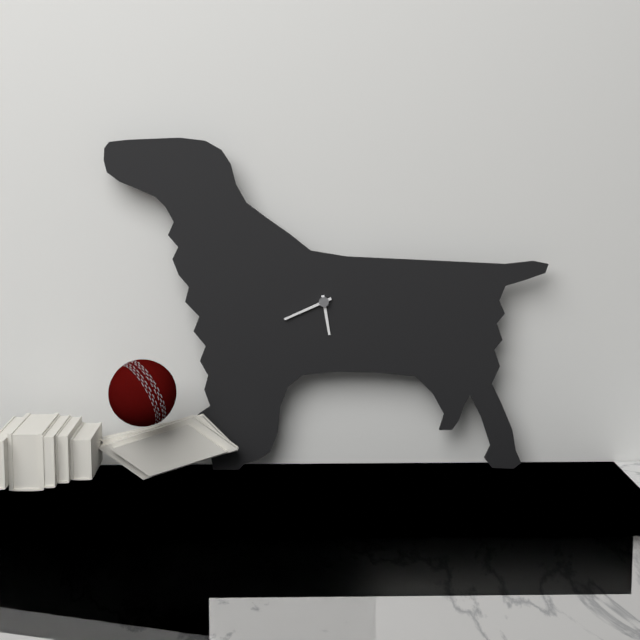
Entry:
h=5 m=41
